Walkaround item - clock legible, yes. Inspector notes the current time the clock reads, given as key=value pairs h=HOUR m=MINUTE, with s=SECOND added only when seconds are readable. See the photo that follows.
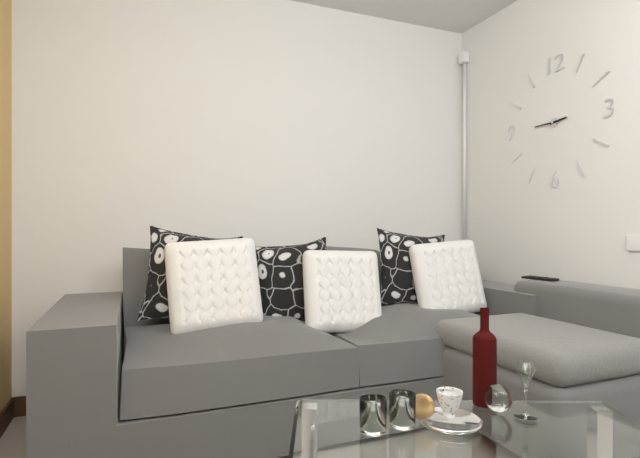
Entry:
h=2 m=45
